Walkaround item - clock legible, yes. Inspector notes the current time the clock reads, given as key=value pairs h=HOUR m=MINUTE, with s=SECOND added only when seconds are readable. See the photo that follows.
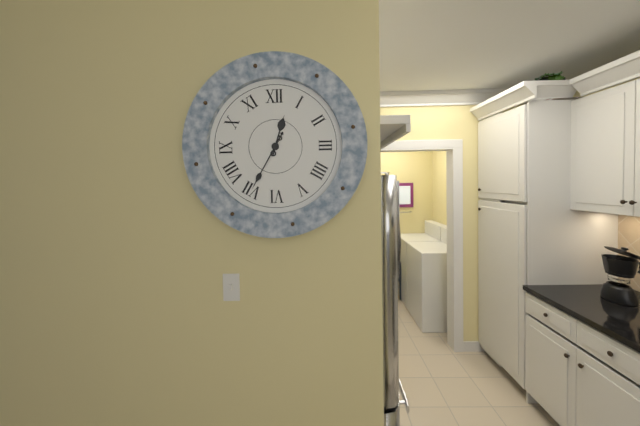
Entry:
h=12 m=35
